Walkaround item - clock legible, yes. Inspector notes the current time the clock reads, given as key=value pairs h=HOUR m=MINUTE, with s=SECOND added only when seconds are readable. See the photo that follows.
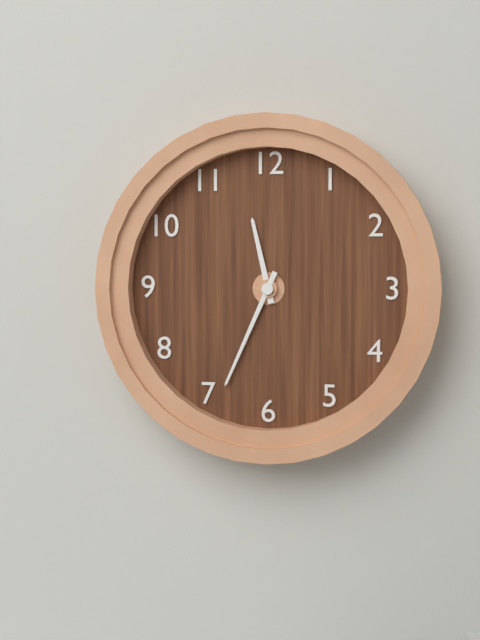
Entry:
h=11 m=34
